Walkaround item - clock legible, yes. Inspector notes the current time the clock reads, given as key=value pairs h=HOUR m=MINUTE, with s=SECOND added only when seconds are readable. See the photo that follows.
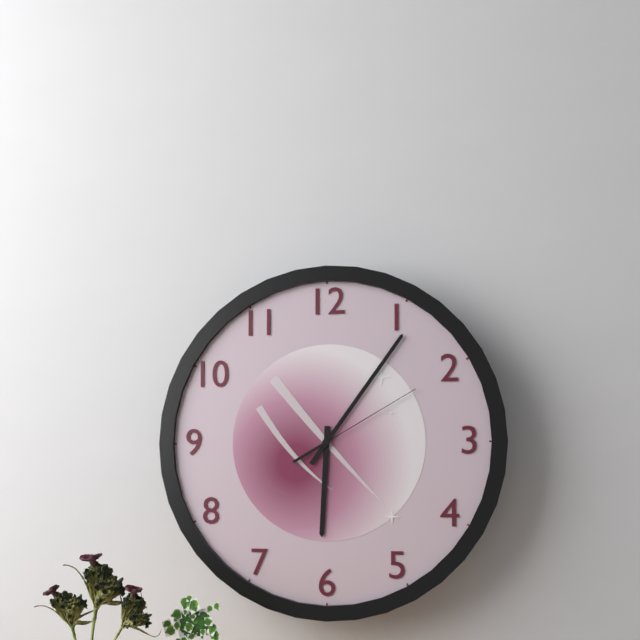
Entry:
h=6 m=6 s=10
